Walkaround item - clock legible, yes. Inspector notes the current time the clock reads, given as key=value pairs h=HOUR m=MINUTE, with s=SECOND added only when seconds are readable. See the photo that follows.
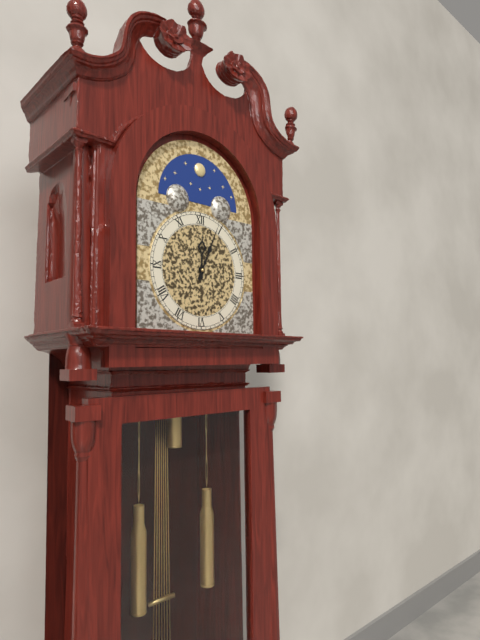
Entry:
h=12 m=4
